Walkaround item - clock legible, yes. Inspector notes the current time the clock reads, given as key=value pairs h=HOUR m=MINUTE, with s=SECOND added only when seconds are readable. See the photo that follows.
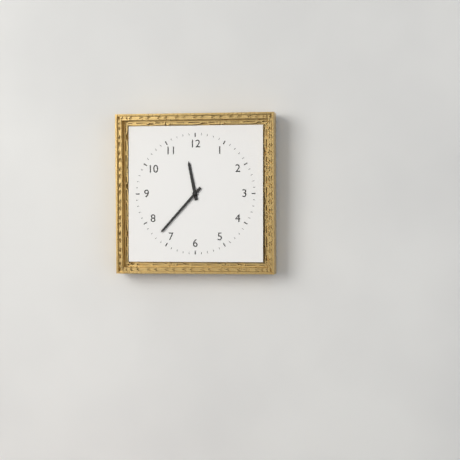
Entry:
h=11 m=37
